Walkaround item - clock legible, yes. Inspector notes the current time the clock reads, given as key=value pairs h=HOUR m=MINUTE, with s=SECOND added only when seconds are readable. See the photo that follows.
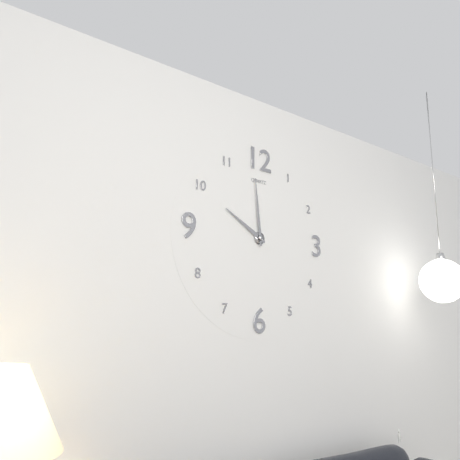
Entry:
h=9 m=59
